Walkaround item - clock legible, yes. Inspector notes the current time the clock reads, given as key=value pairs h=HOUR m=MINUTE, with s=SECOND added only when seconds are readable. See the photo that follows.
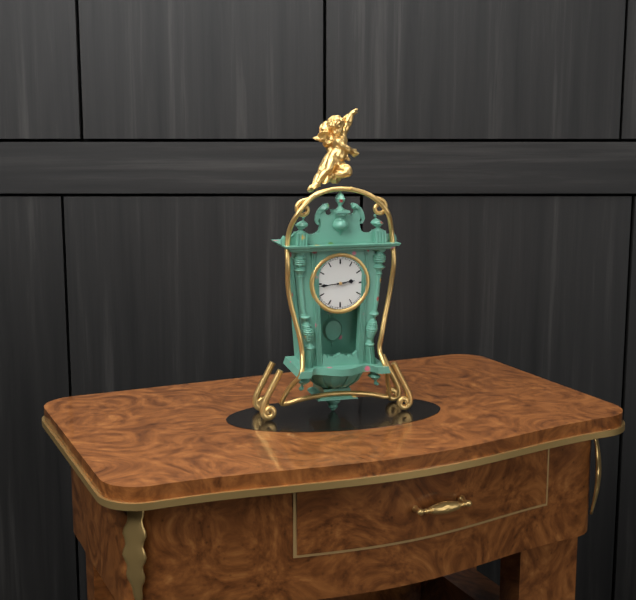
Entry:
h=2 m=44
